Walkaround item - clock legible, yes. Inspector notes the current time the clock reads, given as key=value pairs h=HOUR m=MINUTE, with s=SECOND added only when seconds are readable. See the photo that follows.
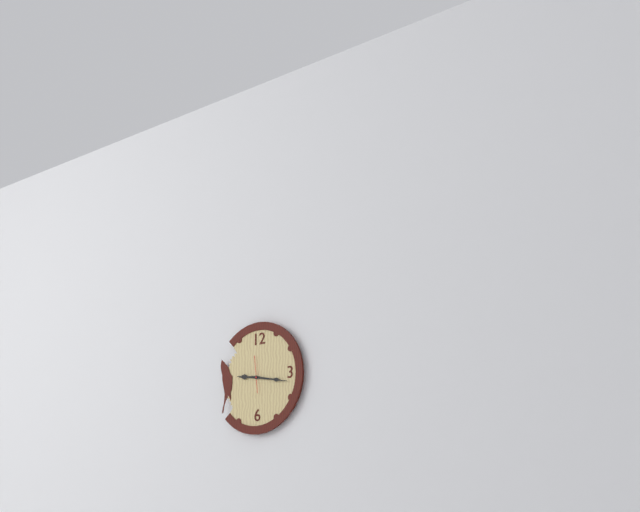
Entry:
h=9 m=17
